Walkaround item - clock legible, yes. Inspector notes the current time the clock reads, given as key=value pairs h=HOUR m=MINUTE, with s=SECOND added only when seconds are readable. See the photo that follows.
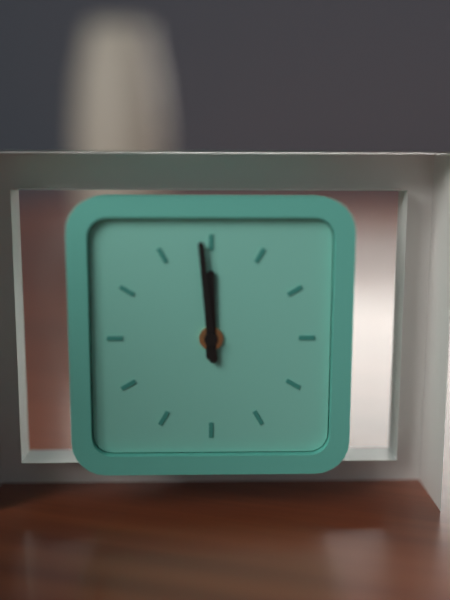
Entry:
h=11 m=59
